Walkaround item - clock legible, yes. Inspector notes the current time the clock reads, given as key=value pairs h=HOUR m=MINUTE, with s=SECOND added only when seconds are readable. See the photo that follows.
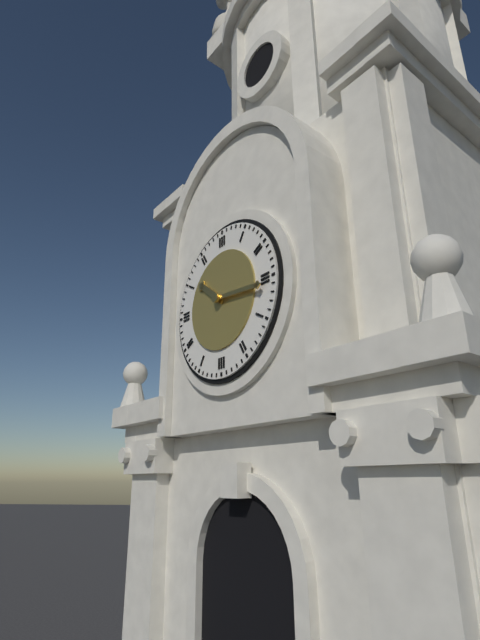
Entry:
h=10 m=16
